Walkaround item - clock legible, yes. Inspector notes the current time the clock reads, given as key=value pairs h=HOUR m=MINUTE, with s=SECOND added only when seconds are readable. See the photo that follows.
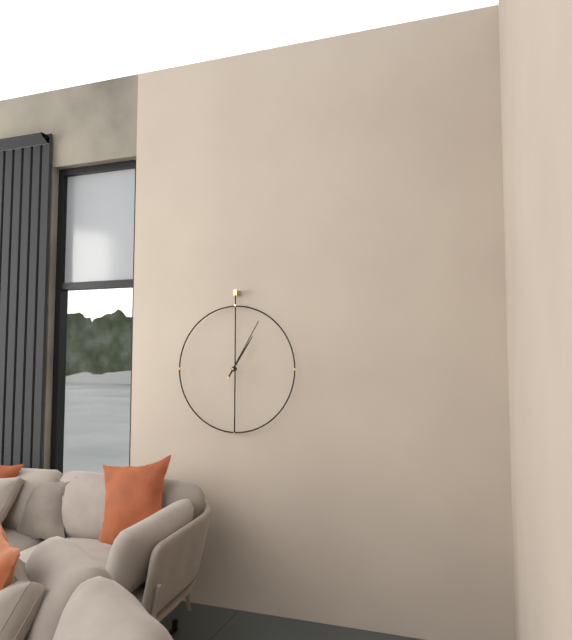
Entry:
h=1 m=5
